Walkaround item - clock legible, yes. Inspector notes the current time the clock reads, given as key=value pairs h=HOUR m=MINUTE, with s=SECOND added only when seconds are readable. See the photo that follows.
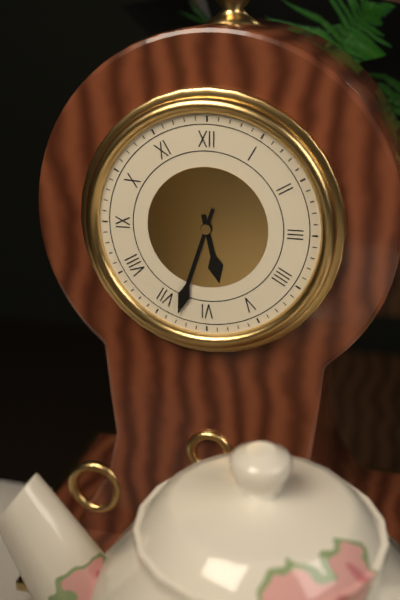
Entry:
h=5 m=33
